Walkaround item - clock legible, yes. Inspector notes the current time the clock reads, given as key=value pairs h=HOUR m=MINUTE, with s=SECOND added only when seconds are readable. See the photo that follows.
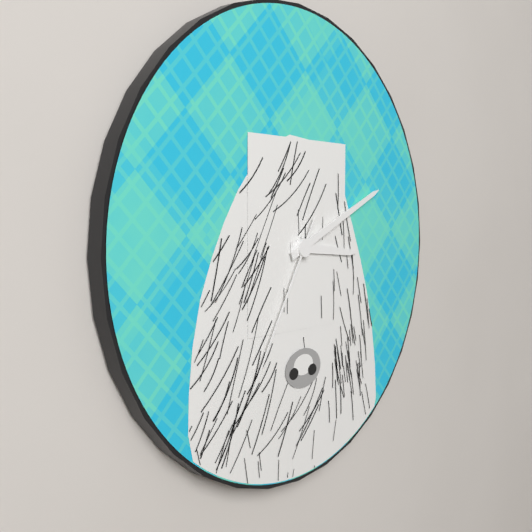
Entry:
h=3 m=11 s=35
